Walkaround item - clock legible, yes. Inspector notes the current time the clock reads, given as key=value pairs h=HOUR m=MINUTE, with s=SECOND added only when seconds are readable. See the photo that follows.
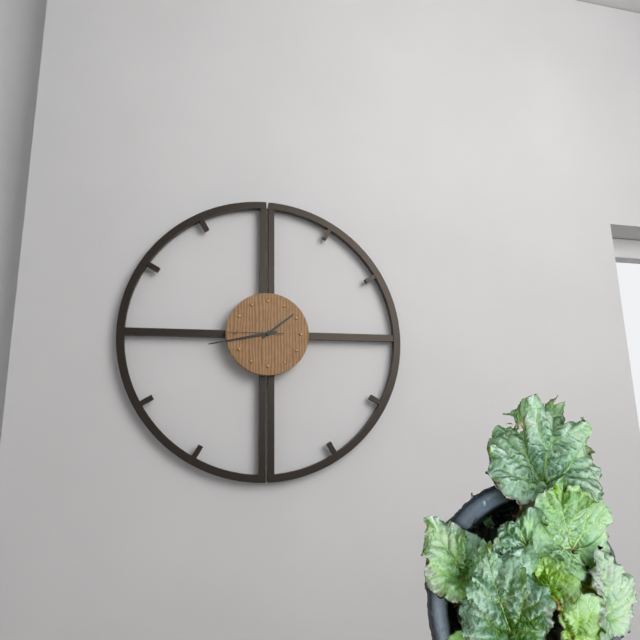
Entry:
h=1 m=43 s=45
